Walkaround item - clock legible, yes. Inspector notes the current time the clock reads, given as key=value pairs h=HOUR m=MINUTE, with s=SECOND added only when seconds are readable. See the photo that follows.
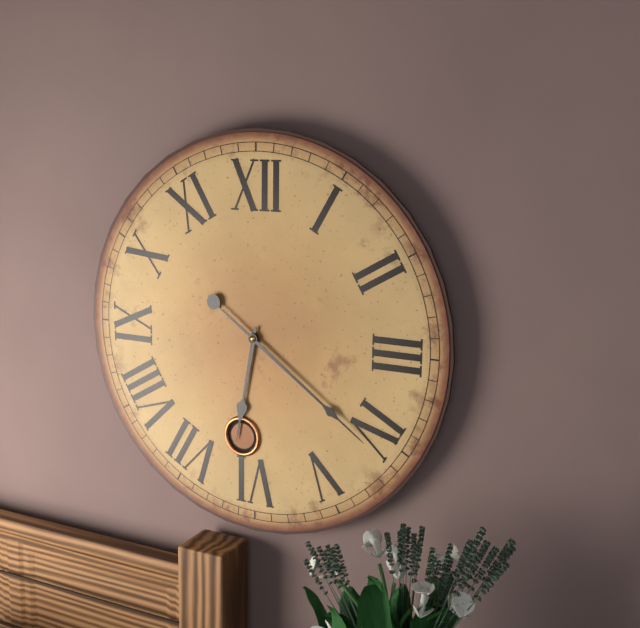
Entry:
h=6 m=21
